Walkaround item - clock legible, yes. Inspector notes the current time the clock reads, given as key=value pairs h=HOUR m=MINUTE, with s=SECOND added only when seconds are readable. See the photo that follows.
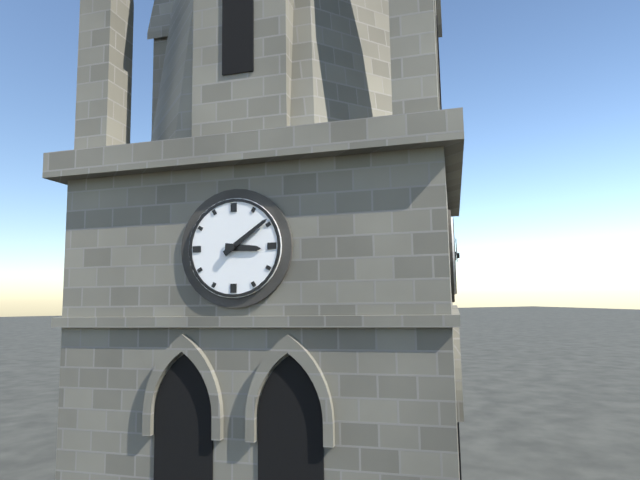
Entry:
h=3 m=9
